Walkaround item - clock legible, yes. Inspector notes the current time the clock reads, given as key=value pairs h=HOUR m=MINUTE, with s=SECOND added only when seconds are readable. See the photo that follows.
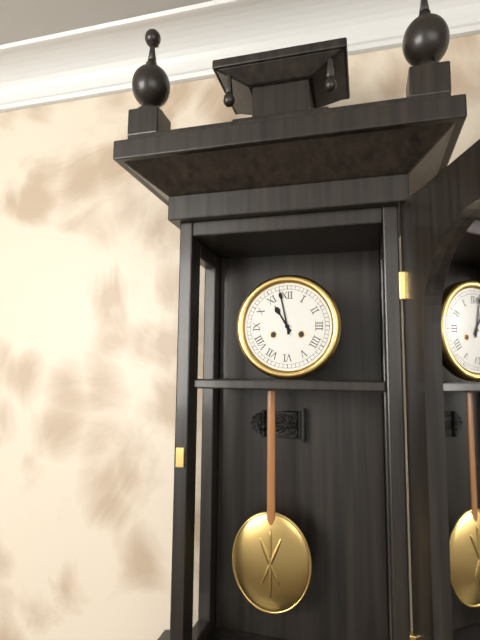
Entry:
h=10 m=58
